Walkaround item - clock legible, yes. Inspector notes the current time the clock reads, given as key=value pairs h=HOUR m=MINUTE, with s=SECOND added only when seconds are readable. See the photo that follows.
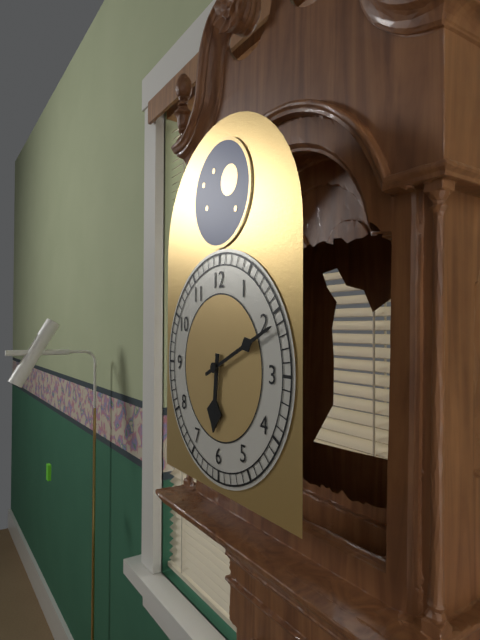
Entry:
h=6 m=11
